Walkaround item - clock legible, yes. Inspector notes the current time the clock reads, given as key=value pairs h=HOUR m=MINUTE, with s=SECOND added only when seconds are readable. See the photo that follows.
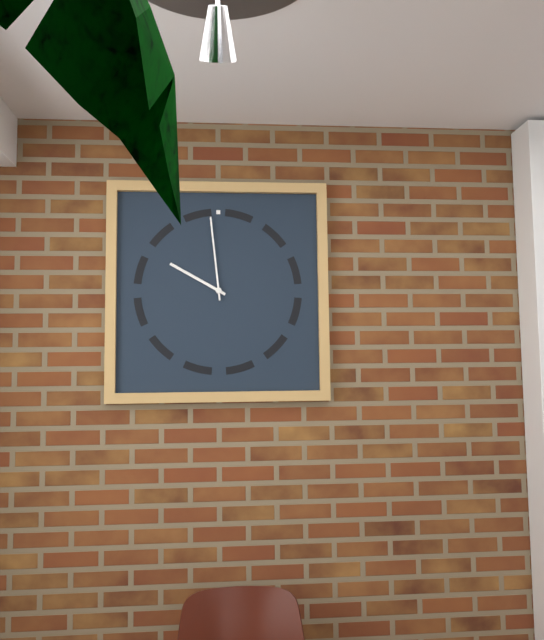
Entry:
h=9 m=59
